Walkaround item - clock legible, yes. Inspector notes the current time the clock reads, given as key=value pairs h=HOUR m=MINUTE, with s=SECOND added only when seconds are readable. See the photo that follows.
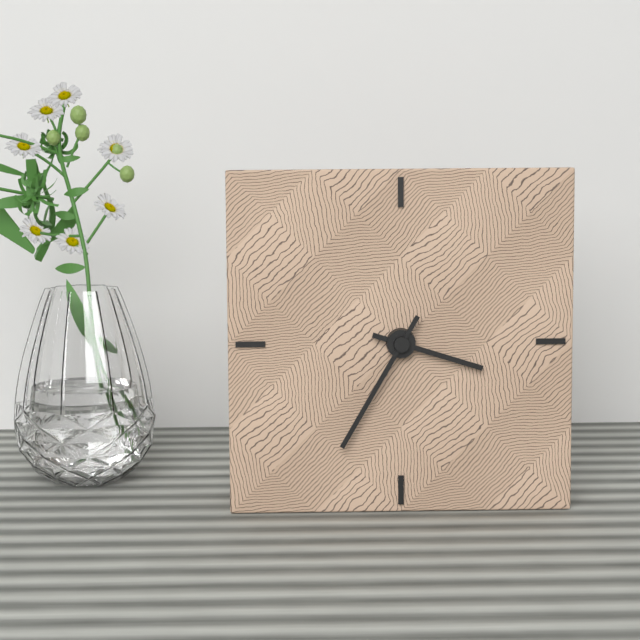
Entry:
h=3 m=35
